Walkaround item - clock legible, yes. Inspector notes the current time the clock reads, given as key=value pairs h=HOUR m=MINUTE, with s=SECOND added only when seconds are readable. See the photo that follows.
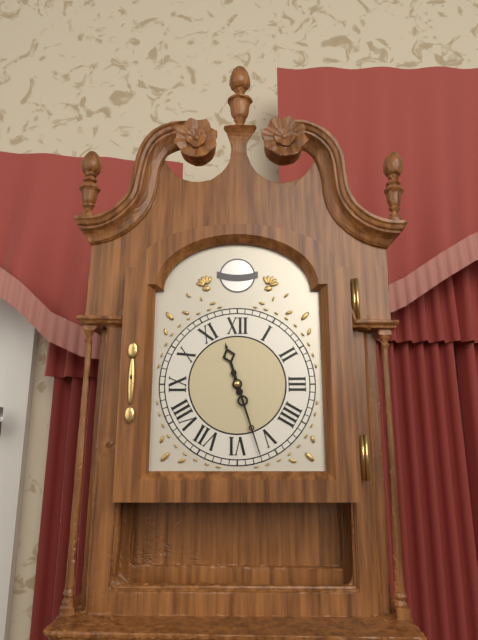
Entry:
h=11 m=27
